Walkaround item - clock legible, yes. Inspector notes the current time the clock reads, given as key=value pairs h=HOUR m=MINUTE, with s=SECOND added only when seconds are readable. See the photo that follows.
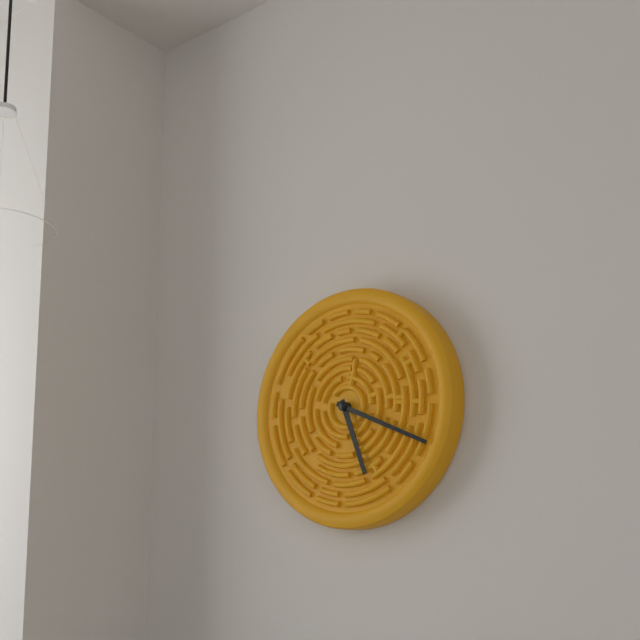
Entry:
h=5 m=19
